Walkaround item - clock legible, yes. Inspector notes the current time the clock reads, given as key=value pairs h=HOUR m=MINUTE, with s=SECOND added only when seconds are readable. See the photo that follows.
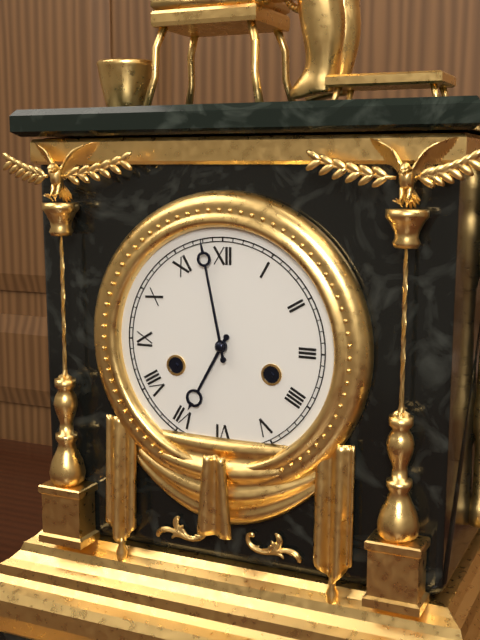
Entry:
h=6 m=58
